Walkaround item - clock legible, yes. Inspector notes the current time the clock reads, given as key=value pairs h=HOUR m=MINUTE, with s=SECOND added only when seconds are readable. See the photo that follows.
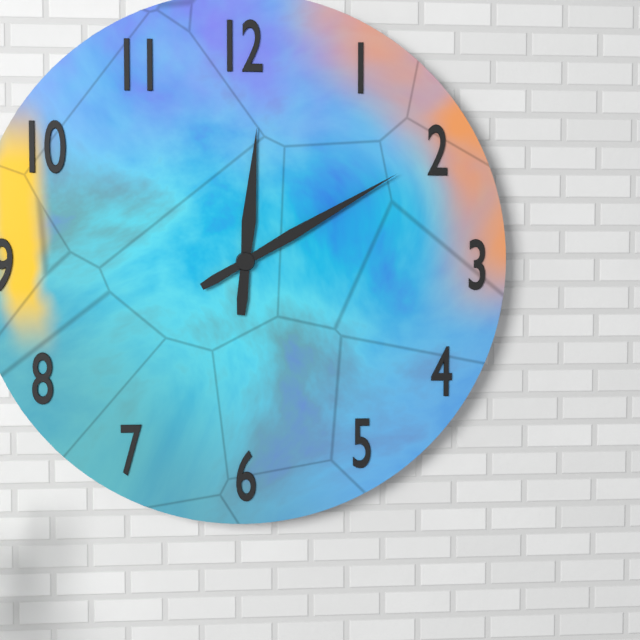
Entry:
h=12 m=10
